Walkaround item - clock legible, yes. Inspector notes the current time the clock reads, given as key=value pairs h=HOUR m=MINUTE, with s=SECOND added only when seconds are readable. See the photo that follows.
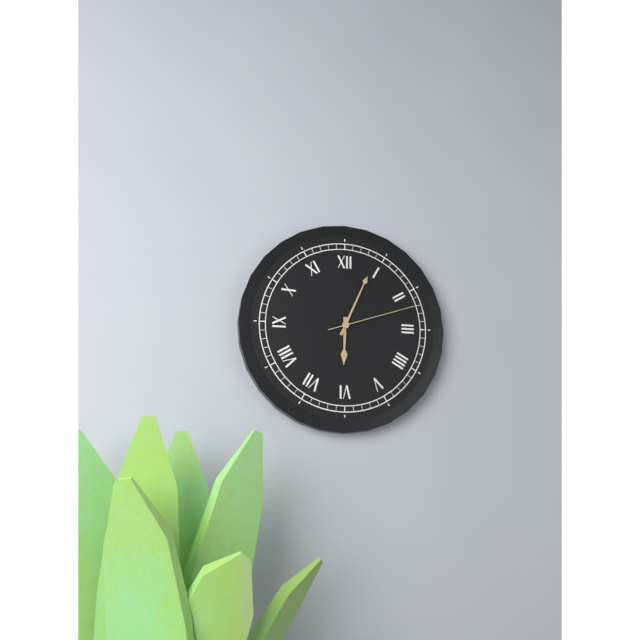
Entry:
h=6 m=4 s=12
